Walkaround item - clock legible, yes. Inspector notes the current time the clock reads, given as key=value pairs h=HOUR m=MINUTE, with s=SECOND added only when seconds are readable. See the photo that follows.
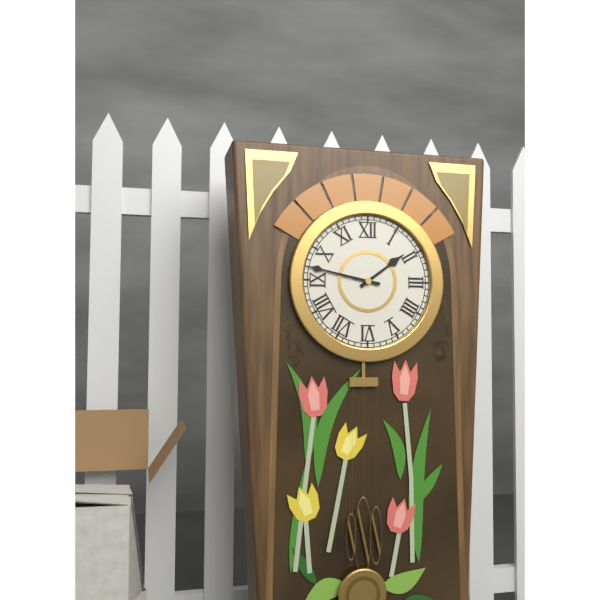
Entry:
h=1 m=47
